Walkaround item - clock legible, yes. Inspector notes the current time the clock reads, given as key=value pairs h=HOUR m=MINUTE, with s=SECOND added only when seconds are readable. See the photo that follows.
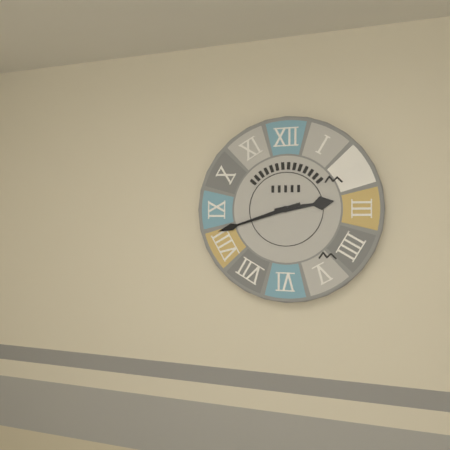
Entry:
h=2 m=42
